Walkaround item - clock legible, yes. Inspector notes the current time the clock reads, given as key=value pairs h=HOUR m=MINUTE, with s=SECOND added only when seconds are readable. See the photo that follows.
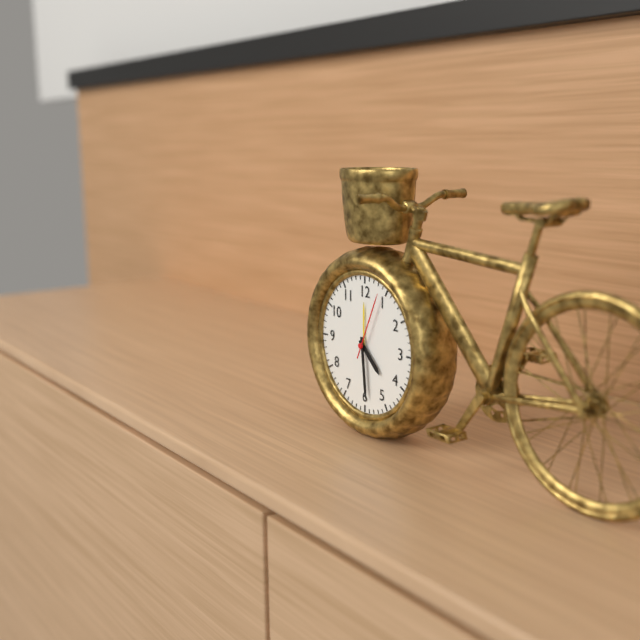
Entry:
h=4 m=29 s=4
